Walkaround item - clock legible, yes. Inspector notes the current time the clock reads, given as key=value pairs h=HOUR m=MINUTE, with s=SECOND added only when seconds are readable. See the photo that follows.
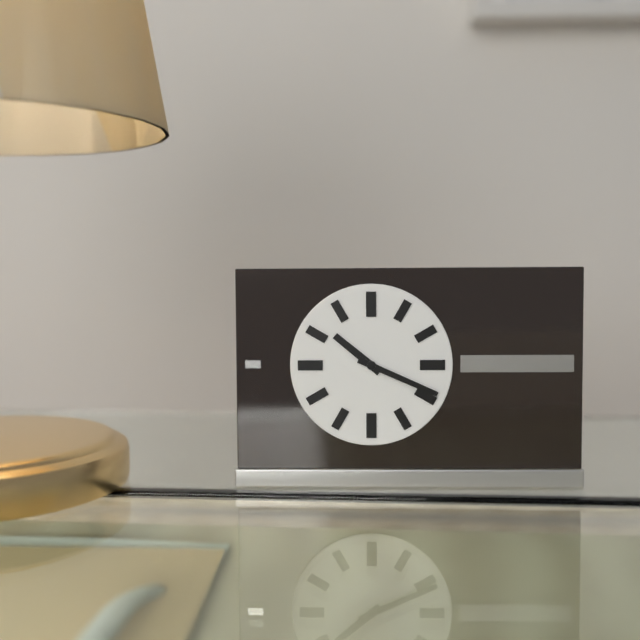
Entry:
h=10 m=19
